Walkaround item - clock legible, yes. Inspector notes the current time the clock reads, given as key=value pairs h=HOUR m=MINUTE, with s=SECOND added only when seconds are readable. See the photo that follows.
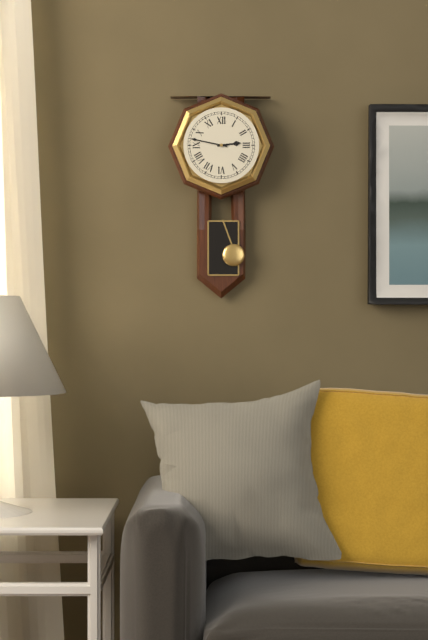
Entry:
h=2 m=47
